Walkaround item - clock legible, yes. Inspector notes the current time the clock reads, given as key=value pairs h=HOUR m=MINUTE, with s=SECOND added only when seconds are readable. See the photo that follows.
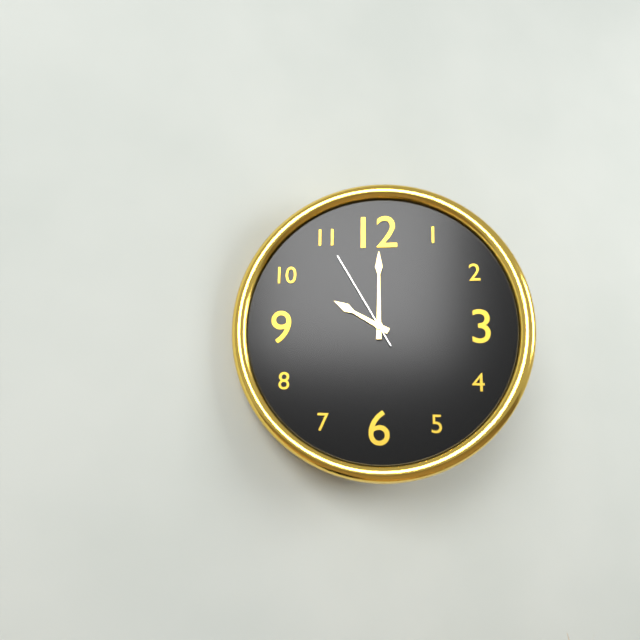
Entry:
h=10 m=0 s=55
